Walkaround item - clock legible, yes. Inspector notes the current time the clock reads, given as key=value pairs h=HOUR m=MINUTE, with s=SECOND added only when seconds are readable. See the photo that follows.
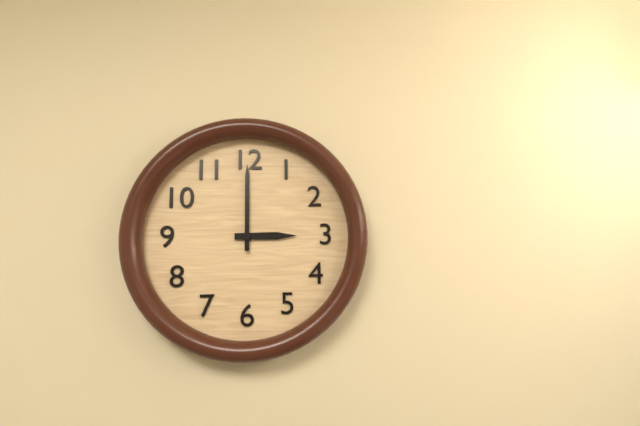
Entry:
h=3 m=0
